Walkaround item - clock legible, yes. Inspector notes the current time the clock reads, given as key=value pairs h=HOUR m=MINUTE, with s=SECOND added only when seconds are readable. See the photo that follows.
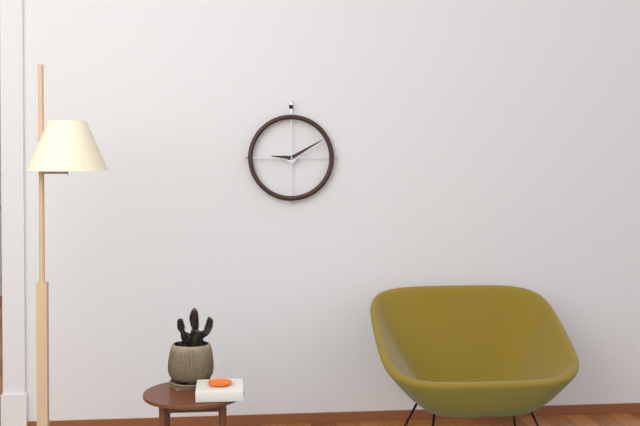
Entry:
h=9 m=10
